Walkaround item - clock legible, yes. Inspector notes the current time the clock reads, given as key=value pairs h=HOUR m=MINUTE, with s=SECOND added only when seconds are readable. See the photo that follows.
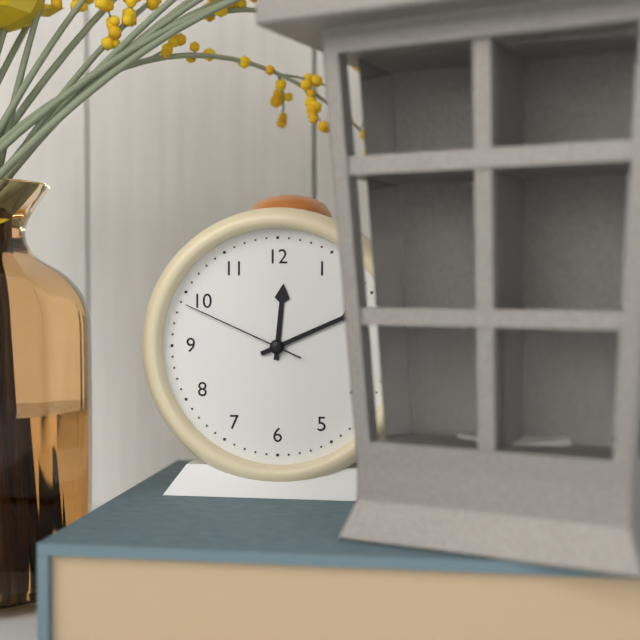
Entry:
h=12 m=11 s=49
